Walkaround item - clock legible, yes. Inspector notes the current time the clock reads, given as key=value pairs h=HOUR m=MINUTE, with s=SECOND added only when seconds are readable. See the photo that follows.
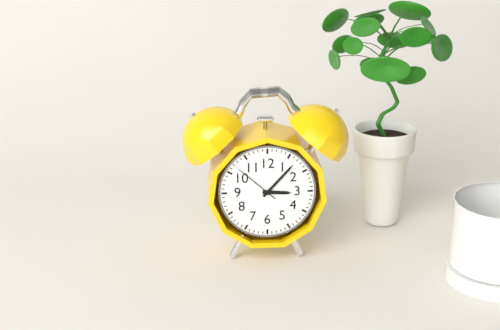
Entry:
h=3 m=7 s=52
